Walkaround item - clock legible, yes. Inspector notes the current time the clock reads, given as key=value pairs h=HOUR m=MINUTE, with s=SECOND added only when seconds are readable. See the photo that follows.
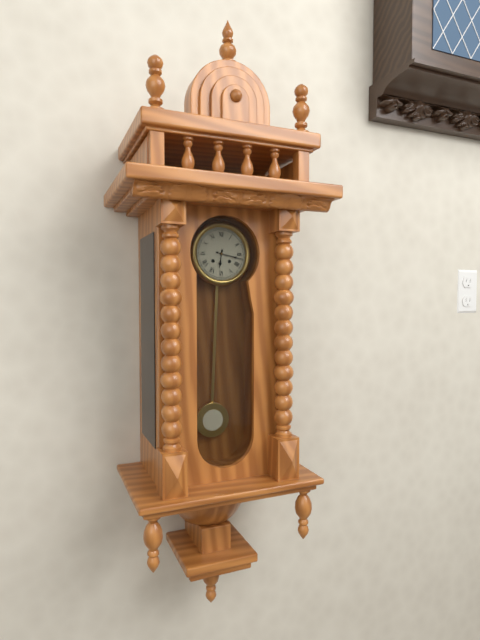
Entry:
h=6 m=17
